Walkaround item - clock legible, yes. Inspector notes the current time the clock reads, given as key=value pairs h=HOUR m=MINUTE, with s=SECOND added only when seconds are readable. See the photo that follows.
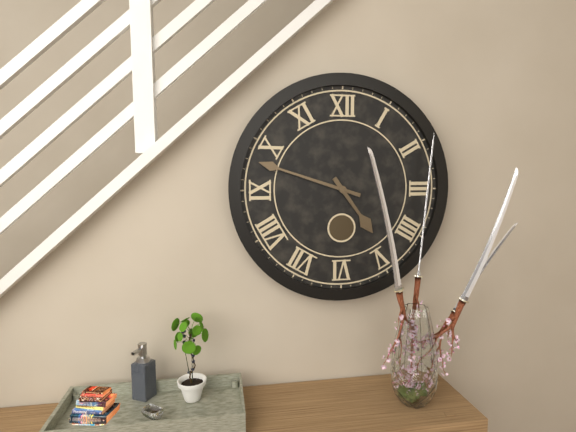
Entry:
h=4 m=48
